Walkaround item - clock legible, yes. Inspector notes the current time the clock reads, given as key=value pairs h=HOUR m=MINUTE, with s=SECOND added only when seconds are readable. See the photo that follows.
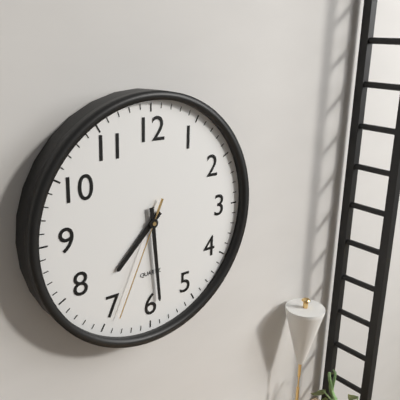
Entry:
h=7 m=29 s=34
